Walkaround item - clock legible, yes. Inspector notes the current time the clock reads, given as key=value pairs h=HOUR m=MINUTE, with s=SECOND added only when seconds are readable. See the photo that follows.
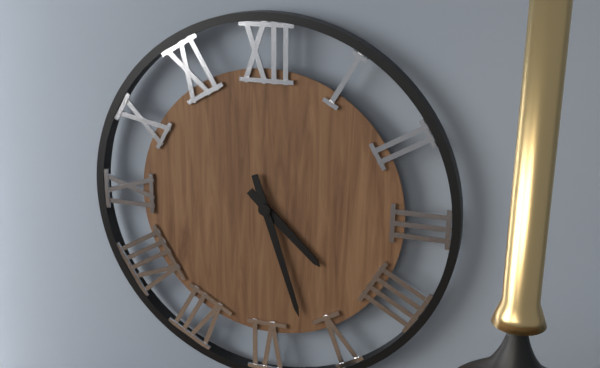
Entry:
h=4 m=27
